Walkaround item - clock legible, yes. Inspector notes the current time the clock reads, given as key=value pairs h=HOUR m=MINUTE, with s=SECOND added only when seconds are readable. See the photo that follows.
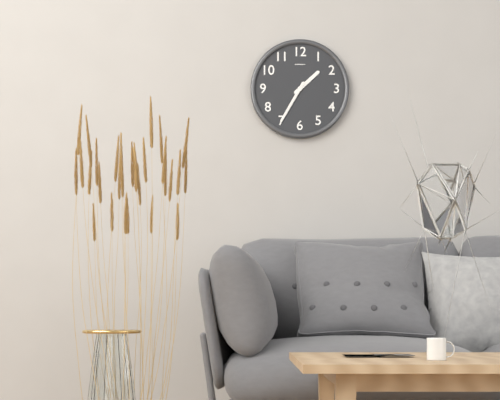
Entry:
h=1 m=35
